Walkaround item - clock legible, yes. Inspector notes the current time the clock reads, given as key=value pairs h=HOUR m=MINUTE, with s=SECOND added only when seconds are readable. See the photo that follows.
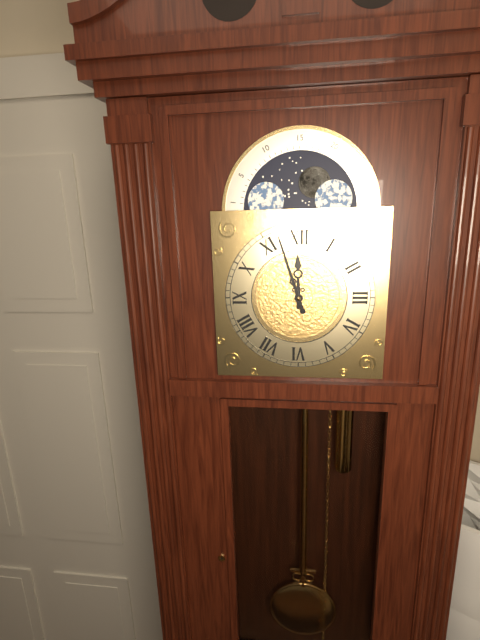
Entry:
h=11 m=57
